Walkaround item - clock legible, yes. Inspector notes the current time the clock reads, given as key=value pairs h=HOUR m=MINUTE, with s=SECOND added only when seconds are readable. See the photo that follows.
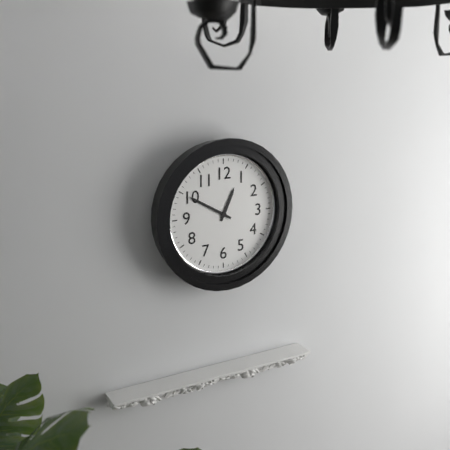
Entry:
h=12 m=50
